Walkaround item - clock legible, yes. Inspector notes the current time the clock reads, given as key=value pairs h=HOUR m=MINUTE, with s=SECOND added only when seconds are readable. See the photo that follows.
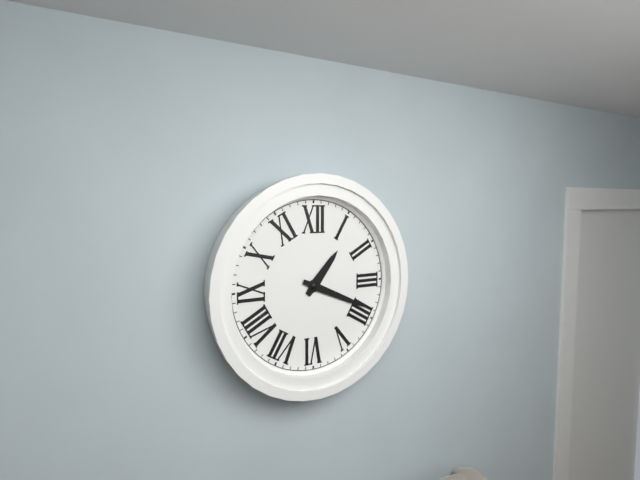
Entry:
h=1 m=19
